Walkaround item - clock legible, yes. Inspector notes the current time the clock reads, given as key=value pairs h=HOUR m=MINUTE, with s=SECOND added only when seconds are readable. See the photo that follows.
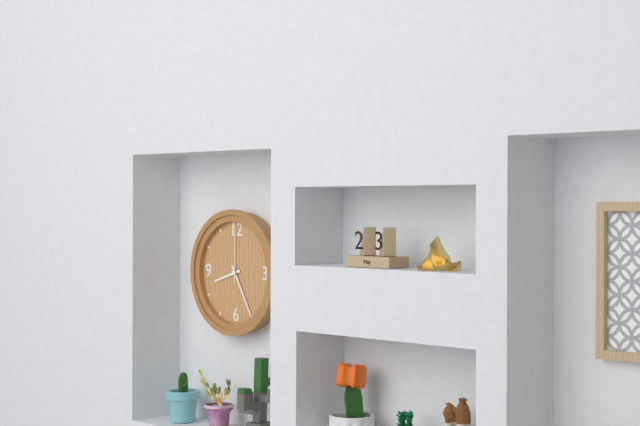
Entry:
h=8 m=25 s=0
